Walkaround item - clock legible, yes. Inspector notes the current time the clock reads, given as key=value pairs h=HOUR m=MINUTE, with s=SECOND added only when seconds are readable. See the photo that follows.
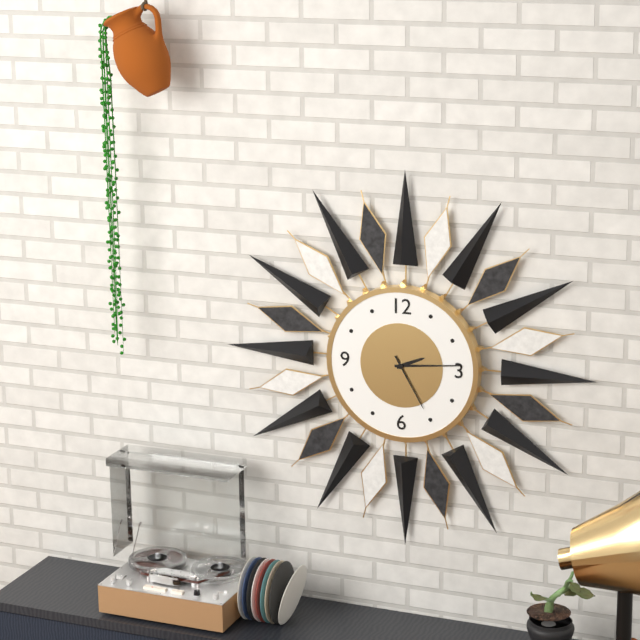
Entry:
h=2 m=14 s=25
